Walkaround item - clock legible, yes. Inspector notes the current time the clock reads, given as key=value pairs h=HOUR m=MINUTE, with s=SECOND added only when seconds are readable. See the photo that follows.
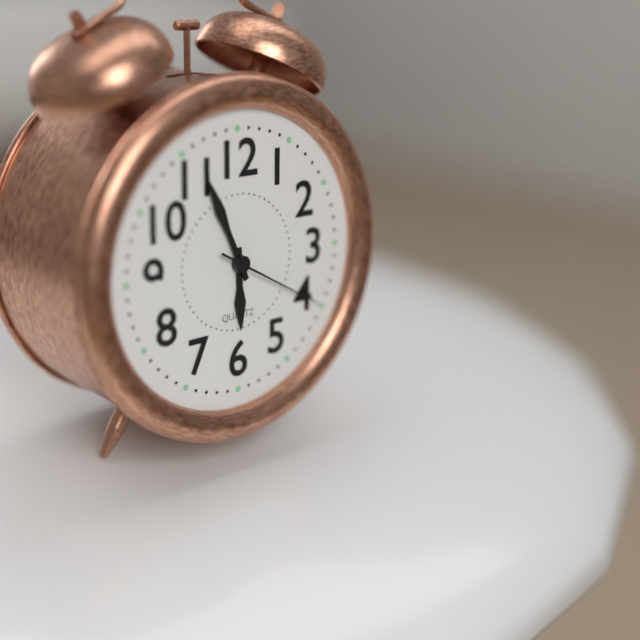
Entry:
h=5 m=56 s=20
